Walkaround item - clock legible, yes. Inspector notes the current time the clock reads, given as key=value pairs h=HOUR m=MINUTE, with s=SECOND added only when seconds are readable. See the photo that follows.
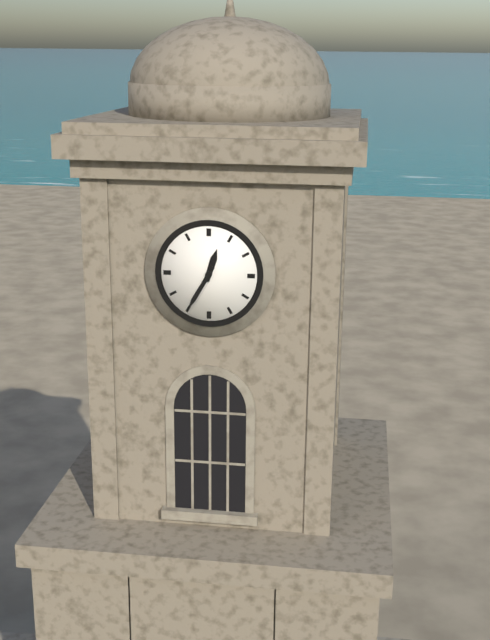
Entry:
h=12 m=35
